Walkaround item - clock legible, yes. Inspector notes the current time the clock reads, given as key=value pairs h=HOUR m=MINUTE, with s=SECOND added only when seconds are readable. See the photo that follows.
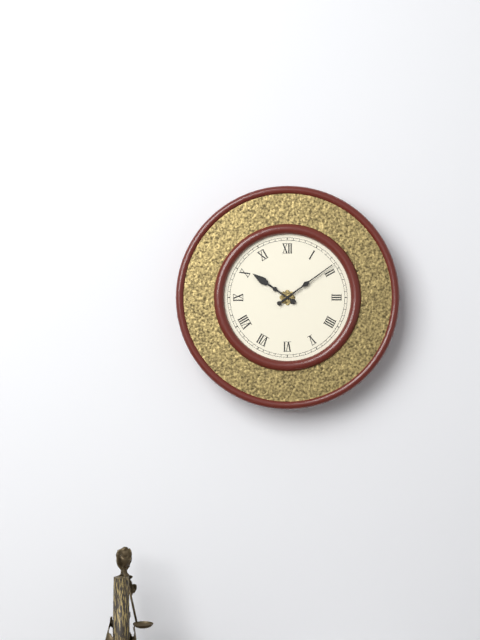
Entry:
h=10 m=9
